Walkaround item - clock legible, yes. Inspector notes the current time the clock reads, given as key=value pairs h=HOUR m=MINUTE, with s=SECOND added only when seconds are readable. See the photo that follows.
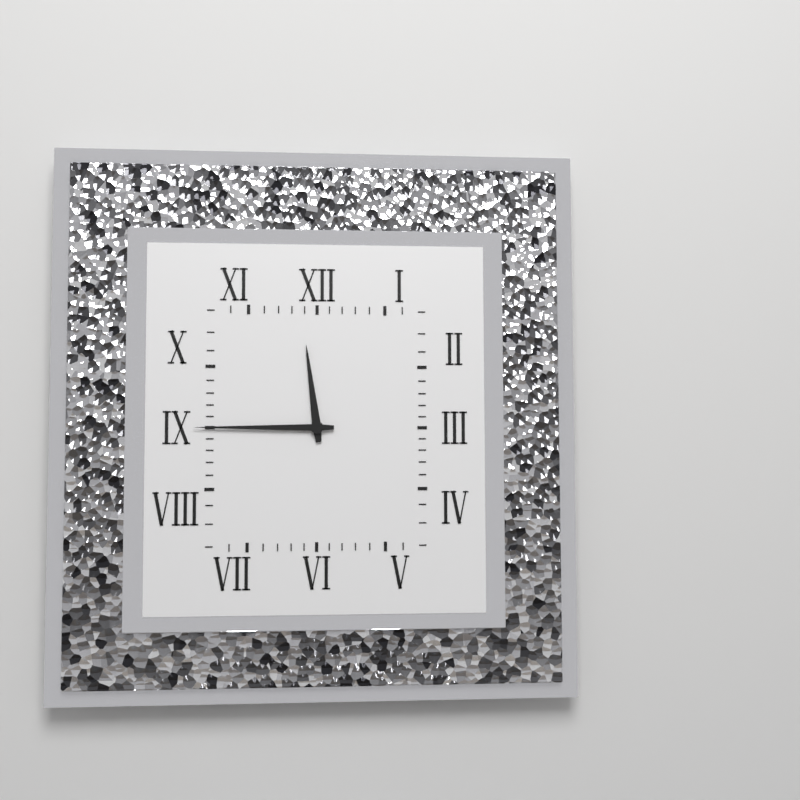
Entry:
h=11 m=45
